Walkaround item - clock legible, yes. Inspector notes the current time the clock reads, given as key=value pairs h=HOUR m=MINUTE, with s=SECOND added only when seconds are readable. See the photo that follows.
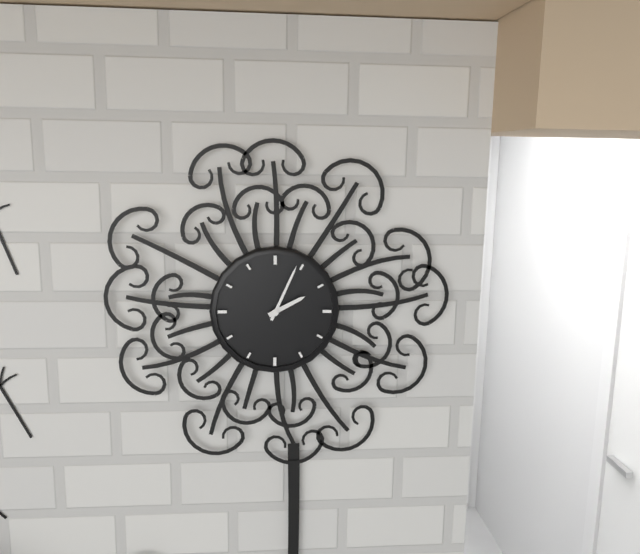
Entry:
h=2 m=4
